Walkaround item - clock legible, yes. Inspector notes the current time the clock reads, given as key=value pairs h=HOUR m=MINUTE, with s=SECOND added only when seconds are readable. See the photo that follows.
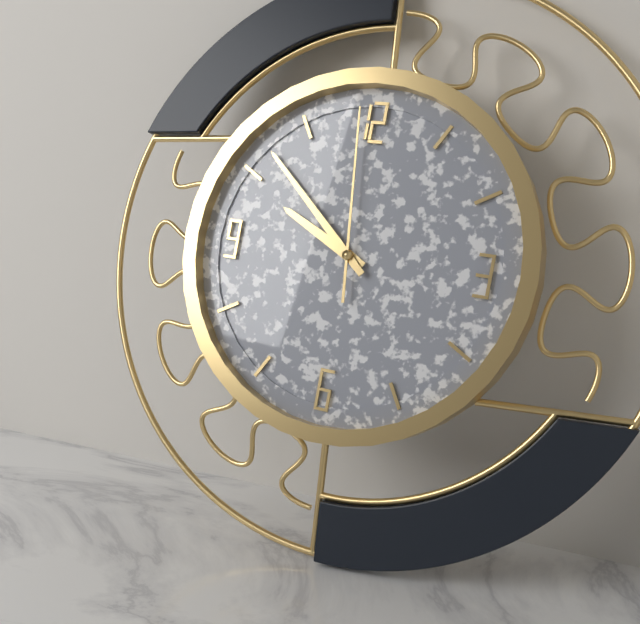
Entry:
h=9 m=52 s=59
